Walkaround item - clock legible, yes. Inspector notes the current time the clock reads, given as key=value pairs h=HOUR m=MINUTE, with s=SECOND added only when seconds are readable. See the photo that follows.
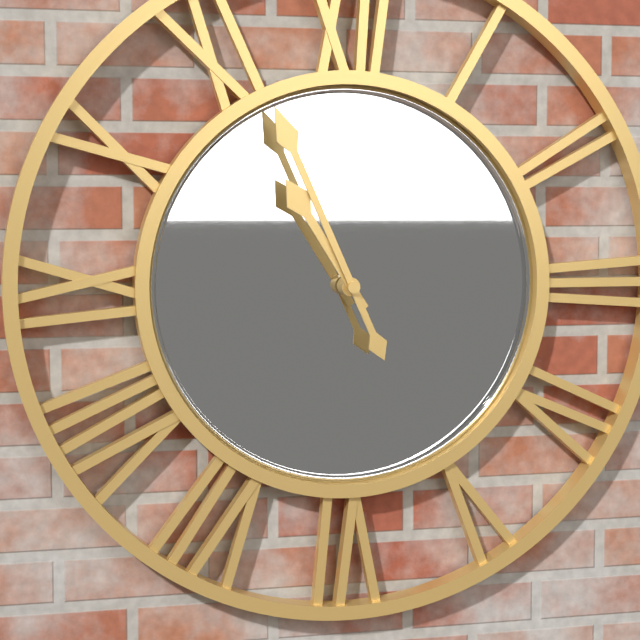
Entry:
h=10 m=56
